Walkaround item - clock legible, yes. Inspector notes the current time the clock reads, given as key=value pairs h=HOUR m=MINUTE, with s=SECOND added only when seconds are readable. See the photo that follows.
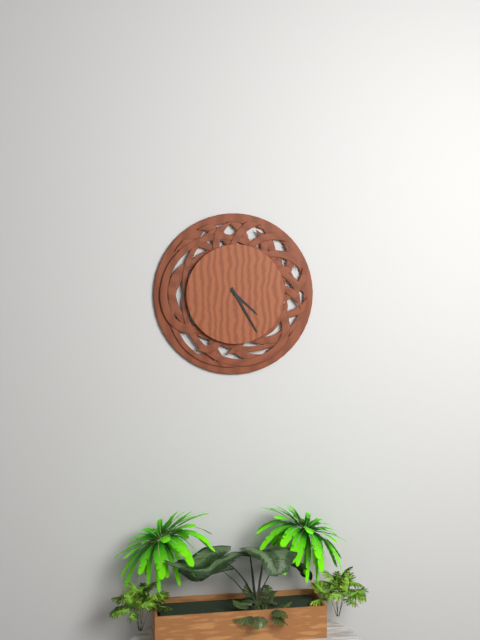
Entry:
h=4 m=25
